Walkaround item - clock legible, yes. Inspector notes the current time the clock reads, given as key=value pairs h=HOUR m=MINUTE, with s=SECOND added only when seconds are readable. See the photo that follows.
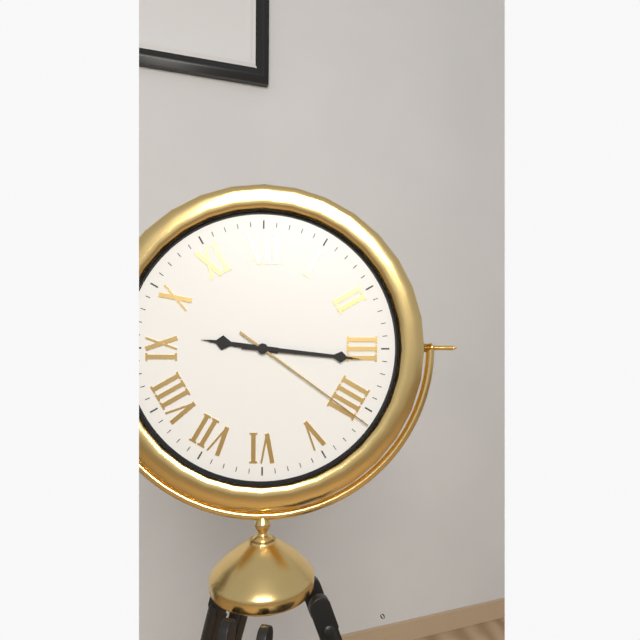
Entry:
h=9 m=16 s=21
